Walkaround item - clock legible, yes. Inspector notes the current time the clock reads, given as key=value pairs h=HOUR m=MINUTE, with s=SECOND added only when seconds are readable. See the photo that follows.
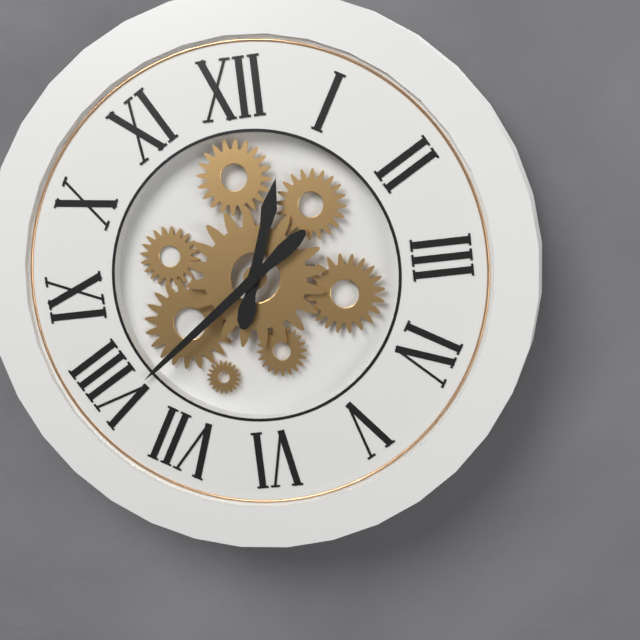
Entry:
h=12 m=39
